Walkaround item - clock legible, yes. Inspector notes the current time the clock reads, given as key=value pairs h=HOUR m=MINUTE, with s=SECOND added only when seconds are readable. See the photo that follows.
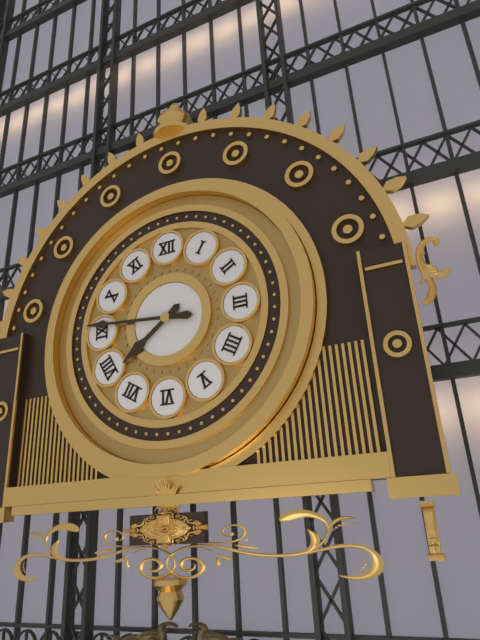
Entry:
h=7 m=46
